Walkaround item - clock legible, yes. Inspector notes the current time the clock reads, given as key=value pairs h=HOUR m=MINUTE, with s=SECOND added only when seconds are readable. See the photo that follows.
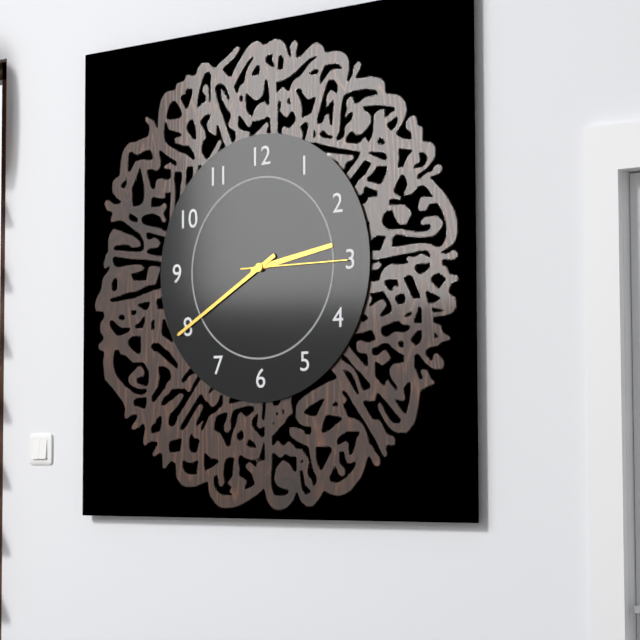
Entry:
h=2 m=40 s=15
